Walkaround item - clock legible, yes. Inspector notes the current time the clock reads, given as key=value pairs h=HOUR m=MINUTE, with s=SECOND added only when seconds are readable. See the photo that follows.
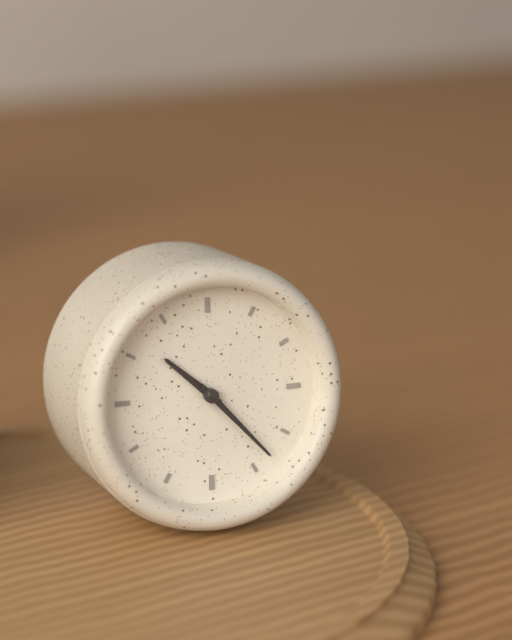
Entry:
h=10 m=23
